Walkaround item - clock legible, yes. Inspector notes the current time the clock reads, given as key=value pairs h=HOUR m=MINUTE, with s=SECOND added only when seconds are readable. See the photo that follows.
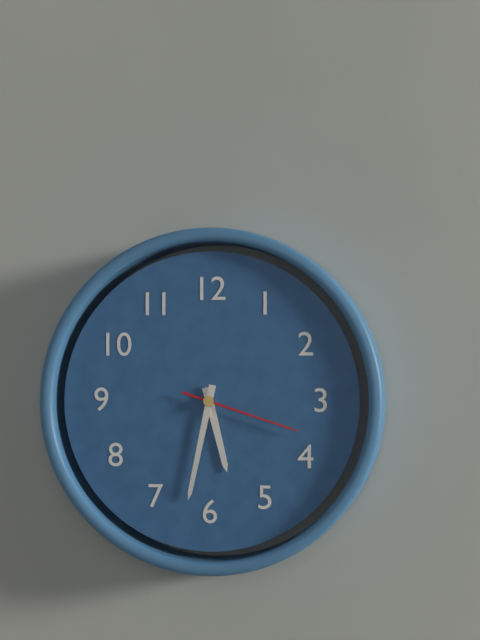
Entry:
h=5 m=32 s=18
